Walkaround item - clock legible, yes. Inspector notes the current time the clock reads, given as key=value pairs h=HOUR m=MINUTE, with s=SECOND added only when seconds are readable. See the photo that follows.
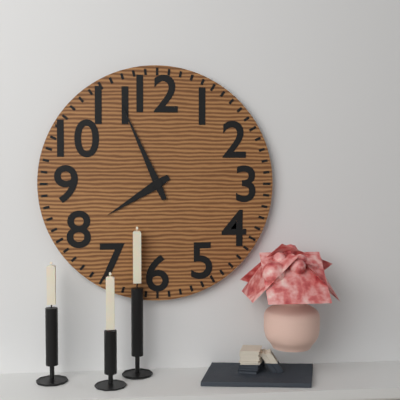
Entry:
h=7 m=56
